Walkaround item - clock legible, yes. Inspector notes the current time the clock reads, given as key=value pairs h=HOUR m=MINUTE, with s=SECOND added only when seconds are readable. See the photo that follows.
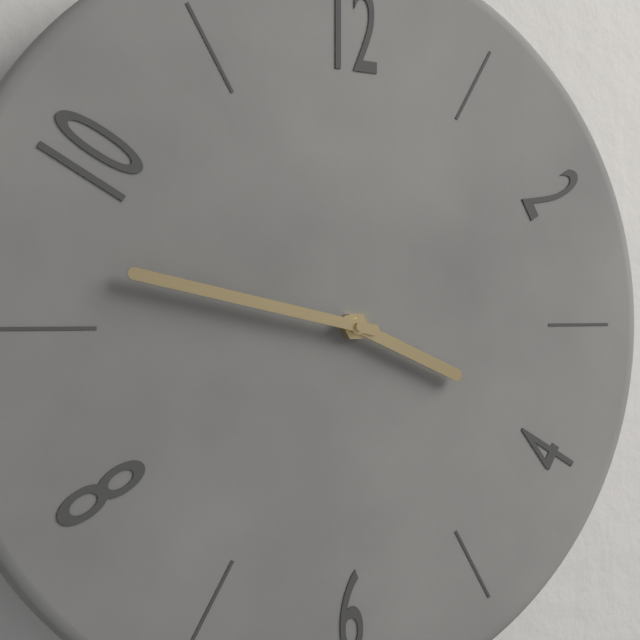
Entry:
h=3 m=47
